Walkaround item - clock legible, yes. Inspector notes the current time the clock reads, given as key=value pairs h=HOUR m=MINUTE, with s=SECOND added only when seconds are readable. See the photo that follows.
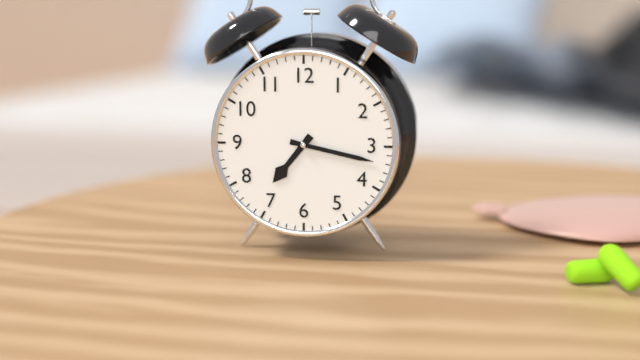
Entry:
h=7 m=17
